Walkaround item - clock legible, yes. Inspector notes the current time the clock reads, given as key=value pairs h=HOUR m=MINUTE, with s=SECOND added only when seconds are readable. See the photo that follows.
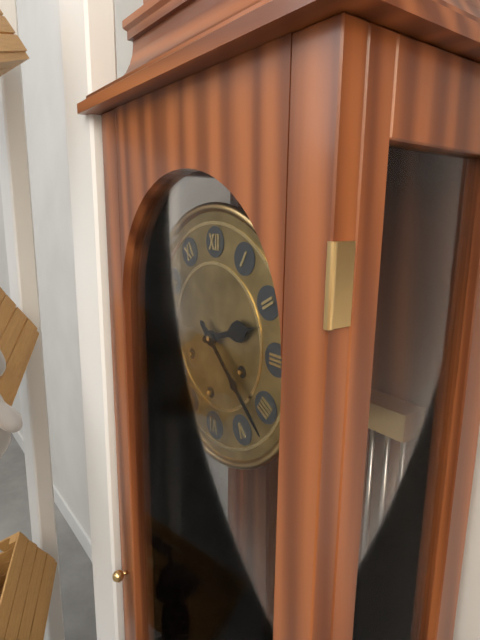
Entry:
h=2 m=22
